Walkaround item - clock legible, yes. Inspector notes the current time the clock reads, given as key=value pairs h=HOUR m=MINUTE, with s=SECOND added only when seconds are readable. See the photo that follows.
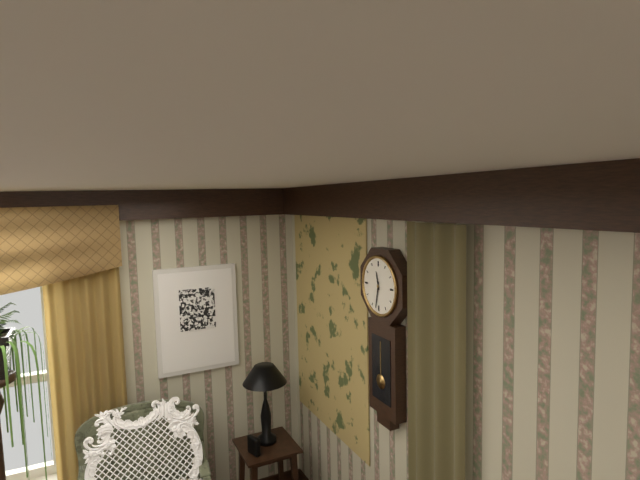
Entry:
h=11 m=32
